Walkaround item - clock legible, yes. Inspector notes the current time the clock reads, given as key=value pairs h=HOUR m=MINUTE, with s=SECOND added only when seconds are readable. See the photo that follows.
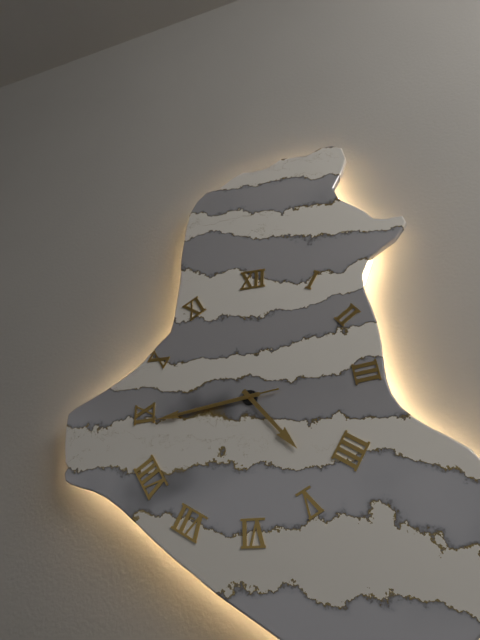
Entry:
h=4 m=44 s=44
